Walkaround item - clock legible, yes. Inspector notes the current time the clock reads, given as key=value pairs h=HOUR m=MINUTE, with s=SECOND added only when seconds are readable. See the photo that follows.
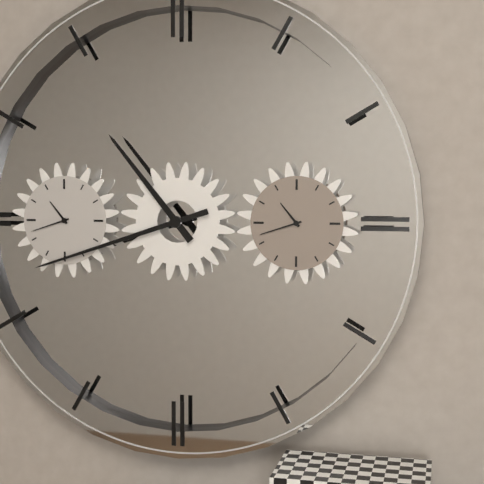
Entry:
h=10 m=42
